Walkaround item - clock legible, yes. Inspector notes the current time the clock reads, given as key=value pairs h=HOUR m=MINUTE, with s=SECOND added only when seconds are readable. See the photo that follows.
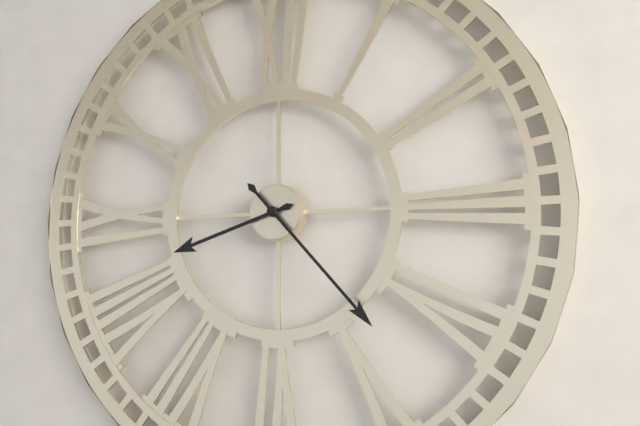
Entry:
h=8 m=23
